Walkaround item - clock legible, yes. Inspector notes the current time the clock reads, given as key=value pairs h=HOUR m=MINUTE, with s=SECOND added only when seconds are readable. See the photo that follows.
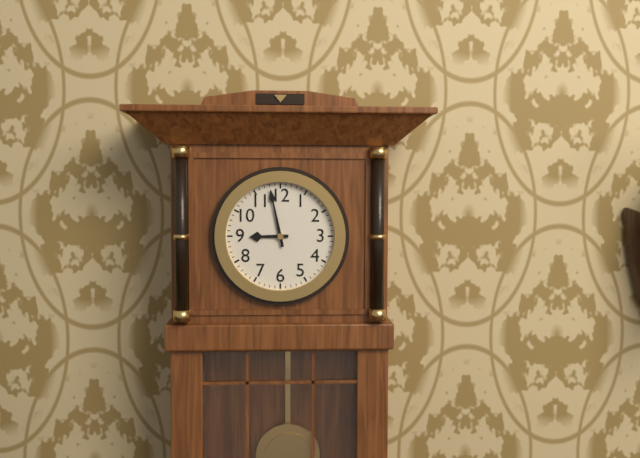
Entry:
h=8 m=58
